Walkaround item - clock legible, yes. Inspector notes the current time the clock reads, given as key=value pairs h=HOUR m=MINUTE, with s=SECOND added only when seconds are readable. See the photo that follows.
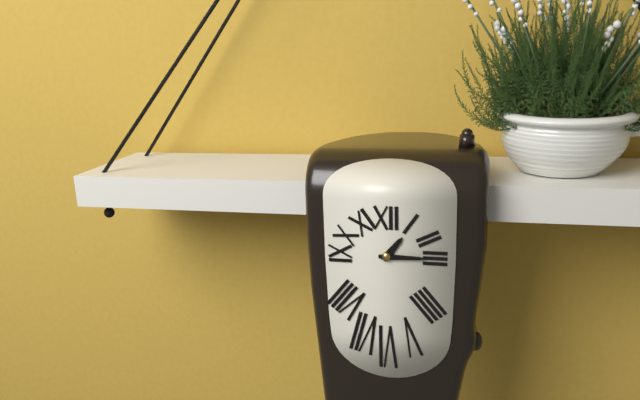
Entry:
h=1 m=15
